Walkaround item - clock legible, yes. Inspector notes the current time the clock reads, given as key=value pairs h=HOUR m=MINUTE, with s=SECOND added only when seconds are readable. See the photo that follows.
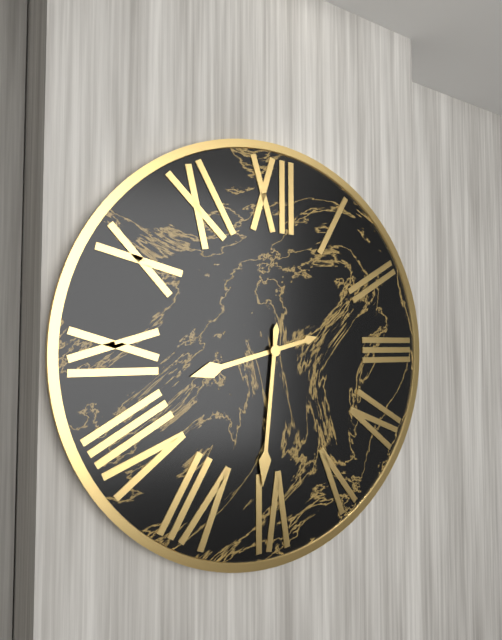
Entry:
h=8 m=31
